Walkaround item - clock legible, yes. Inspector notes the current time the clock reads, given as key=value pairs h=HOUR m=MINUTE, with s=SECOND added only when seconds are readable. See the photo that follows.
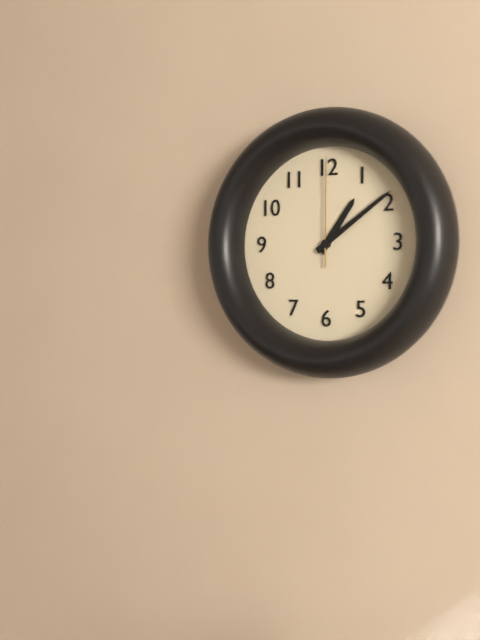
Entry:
h=1 m=9 s=0
